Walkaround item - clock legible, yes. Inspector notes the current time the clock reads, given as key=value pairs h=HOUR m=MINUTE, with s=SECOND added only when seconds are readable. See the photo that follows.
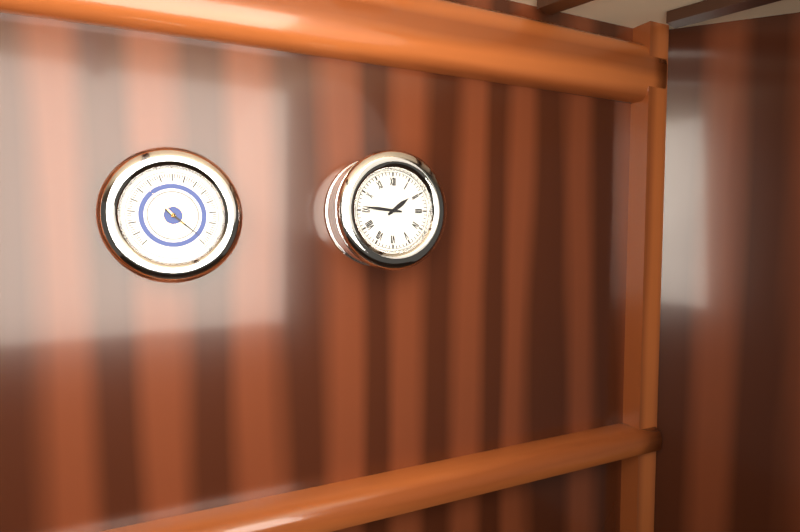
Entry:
h=1 m=46
